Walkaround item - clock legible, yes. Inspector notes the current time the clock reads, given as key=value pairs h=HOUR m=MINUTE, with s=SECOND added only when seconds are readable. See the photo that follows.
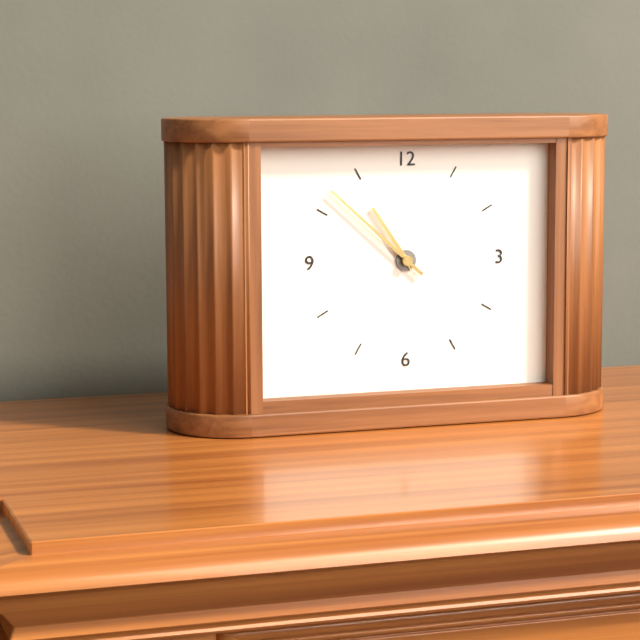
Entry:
h=10 m=52
